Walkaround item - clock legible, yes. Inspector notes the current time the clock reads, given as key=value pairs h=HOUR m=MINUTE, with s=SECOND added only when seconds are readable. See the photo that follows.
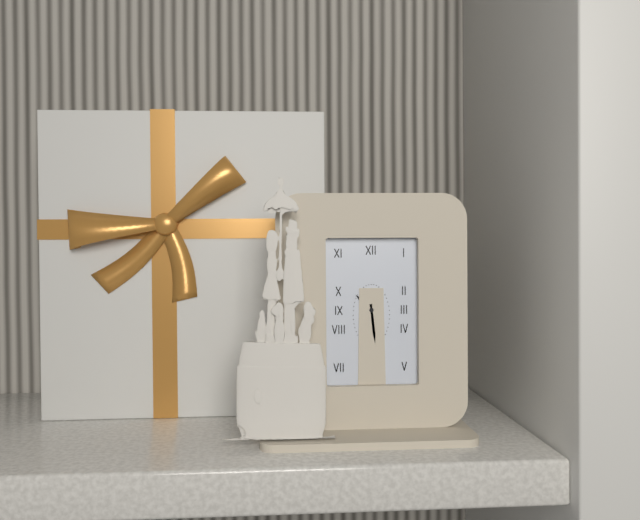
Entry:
h=10 m=29
